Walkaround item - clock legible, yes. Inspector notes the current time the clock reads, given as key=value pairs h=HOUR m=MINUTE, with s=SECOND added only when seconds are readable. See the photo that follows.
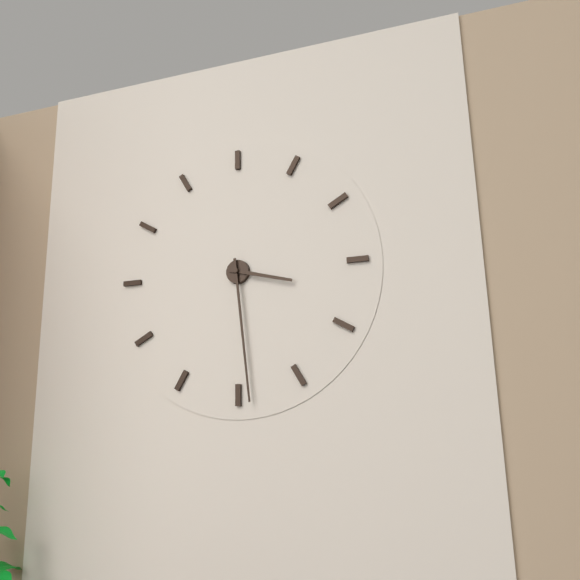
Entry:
h=3 m=29
